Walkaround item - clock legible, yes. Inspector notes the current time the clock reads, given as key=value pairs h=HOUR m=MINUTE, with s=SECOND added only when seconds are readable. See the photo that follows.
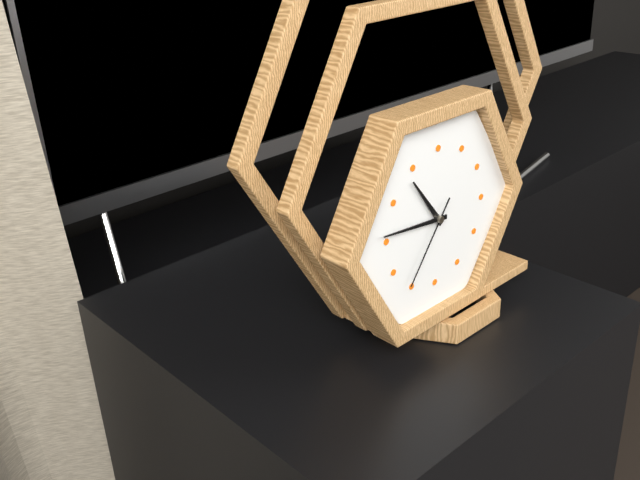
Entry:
h=10 m=46 s=36
